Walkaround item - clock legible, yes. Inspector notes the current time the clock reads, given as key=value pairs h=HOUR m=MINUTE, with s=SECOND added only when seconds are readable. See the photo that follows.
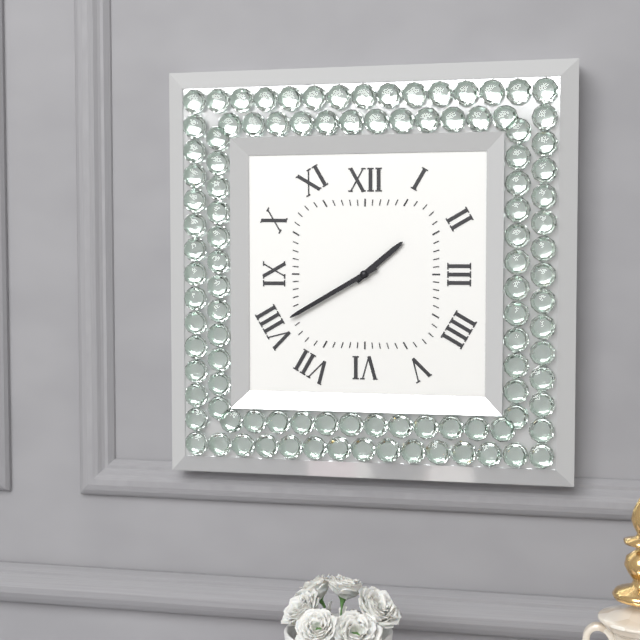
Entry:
h=1 m=40
